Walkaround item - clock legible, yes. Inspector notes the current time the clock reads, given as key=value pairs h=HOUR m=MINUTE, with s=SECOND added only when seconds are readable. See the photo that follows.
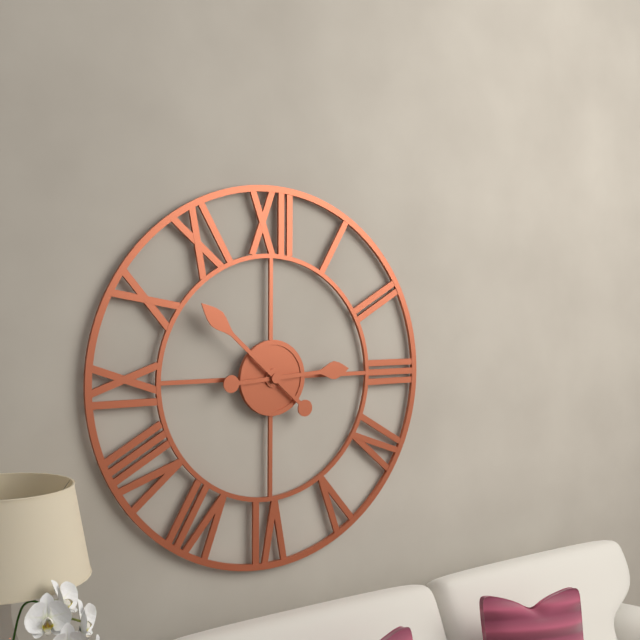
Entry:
h=2 m=52
